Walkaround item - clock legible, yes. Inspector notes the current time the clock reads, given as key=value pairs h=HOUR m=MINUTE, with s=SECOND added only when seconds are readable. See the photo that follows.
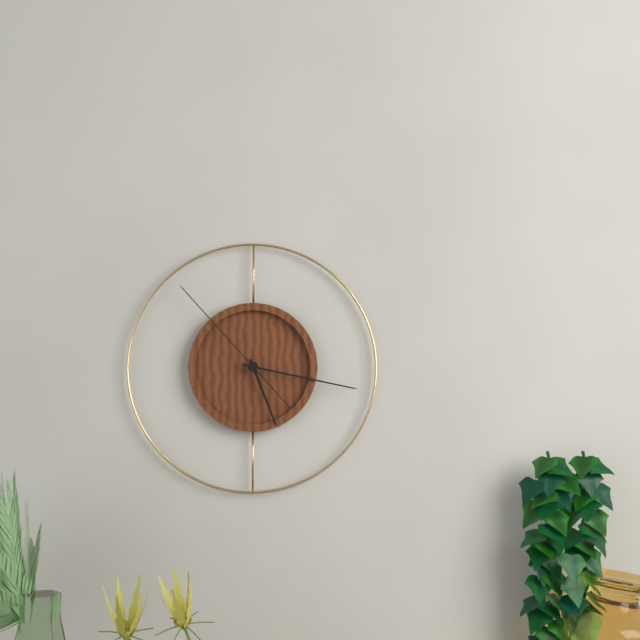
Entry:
h=5 m=17 s=53
